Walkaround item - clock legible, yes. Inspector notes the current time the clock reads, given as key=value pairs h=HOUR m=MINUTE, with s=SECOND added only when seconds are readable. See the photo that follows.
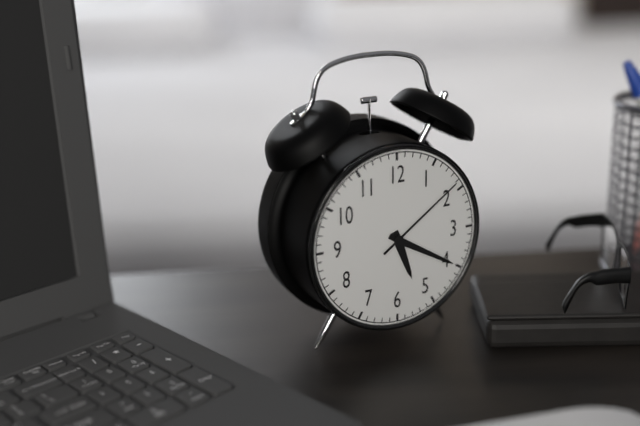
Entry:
h=5 m=20 s=9
